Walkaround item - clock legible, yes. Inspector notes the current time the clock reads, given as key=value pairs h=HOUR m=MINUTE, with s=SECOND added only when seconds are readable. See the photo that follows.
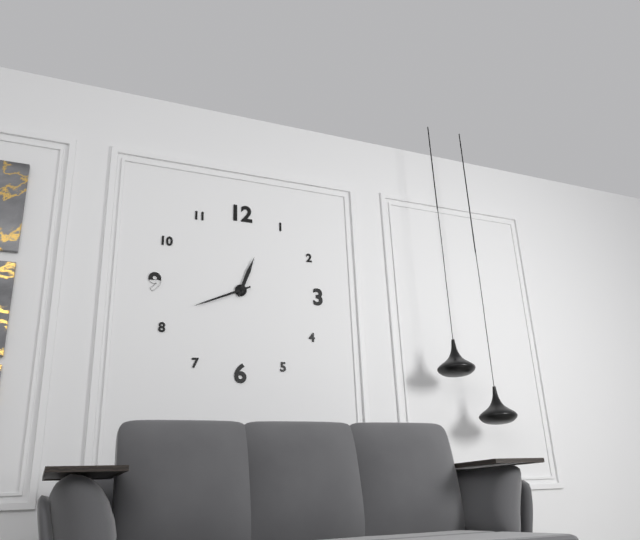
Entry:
h=12 m=41
